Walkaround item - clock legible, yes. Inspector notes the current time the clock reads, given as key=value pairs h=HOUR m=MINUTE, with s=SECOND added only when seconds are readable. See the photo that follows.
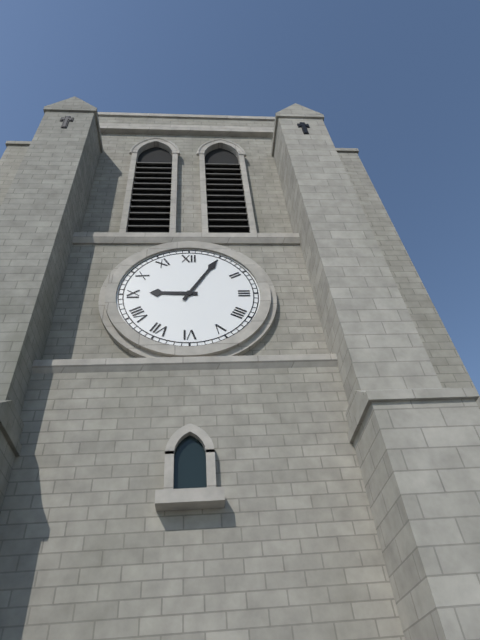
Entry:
h=9 m=5
